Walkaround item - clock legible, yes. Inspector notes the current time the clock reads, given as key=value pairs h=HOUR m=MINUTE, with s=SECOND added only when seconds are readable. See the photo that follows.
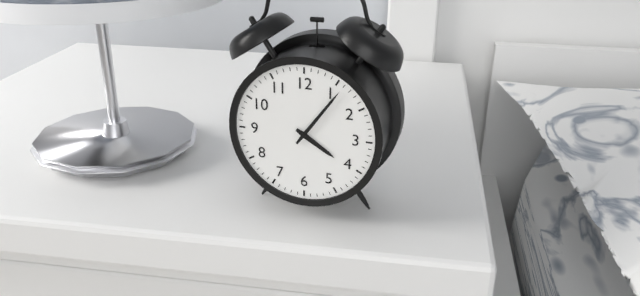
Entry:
h=4 m=6
